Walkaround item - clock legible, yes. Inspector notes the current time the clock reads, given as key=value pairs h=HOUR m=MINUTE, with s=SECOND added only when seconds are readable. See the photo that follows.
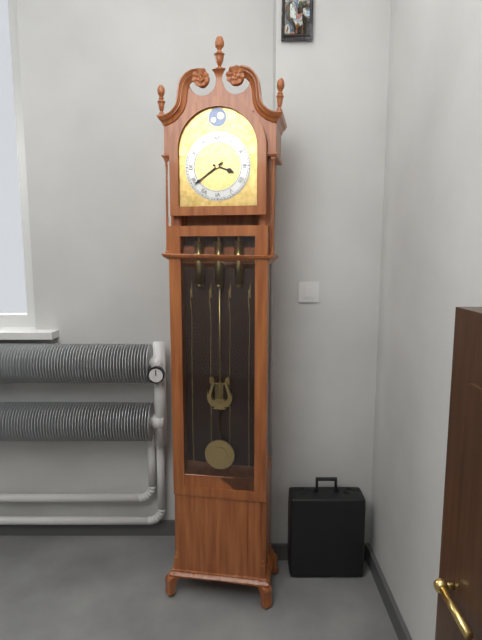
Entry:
h=3 m=39
